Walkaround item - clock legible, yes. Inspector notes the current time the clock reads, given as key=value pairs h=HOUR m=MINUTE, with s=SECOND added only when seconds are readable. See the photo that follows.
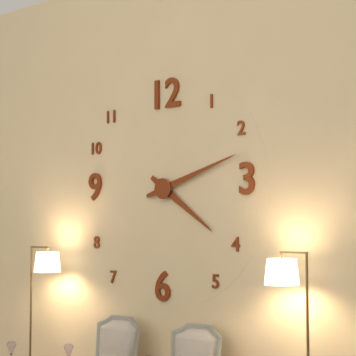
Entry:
h=4 m=12
